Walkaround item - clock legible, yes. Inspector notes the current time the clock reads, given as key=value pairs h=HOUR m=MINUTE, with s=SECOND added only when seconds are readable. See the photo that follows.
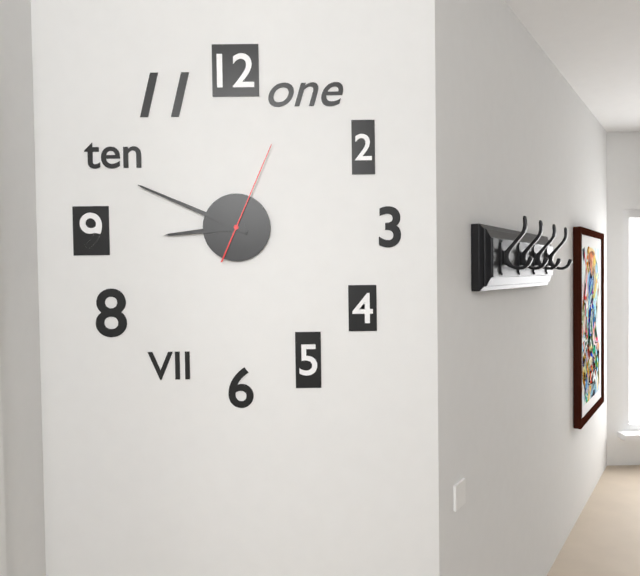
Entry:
h=8 m=49 s=4
